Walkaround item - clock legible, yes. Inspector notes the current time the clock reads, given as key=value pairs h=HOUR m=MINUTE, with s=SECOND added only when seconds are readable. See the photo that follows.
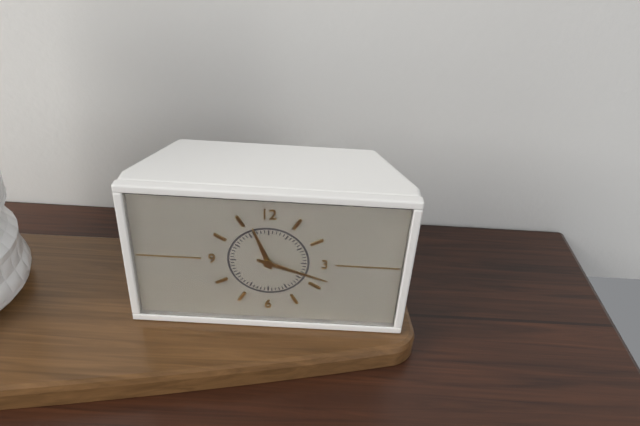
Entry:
h=11 m=18
